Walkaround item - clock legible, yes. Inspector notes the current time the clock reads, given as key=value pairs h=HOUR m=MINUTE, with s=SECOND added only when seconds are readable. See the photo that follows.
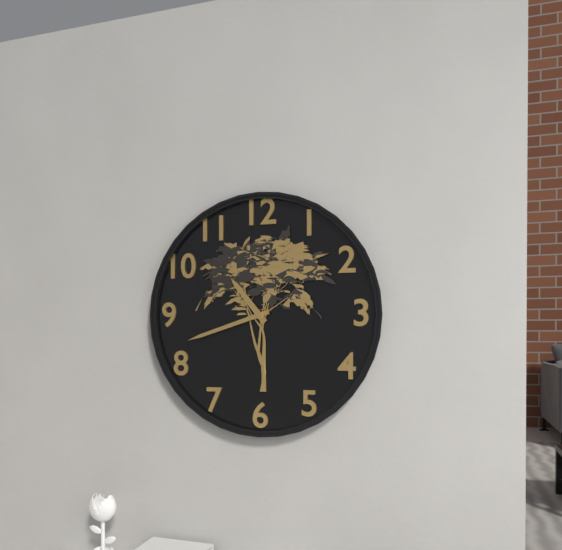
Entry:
h=10 m=42
